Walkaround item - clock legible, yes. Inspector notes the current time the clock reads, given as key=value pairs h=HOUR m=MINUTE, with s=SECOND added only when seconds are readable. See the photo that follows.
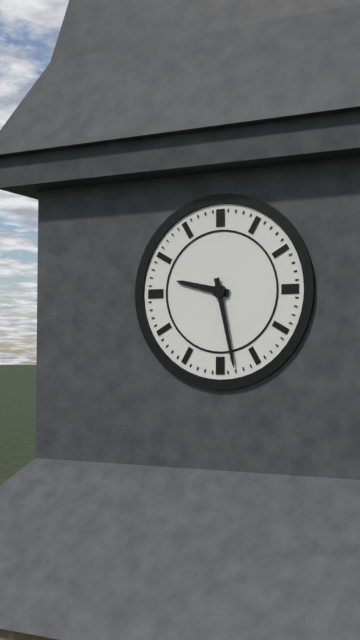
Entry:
h=9 m=28
